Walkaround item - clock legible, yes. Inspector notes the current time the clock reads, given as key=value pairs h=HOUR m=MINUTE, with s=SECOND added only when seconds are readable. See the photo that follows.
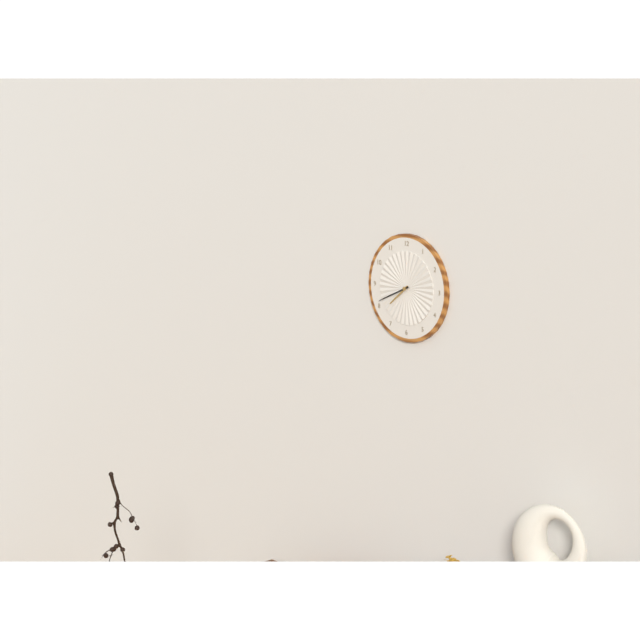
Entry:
h=7 m=41
